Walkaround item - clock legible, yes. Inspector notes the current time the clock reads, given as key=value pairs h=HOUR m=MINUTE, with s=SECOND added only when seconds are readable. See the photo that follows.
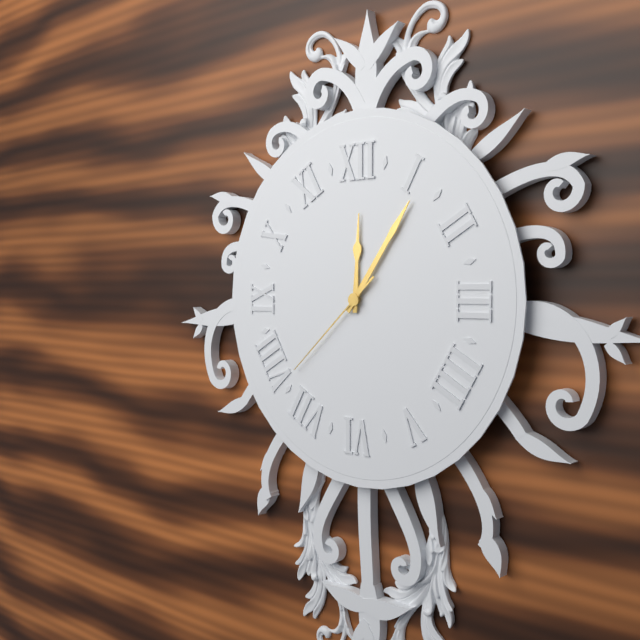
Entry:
h=12 m=6 s=38
